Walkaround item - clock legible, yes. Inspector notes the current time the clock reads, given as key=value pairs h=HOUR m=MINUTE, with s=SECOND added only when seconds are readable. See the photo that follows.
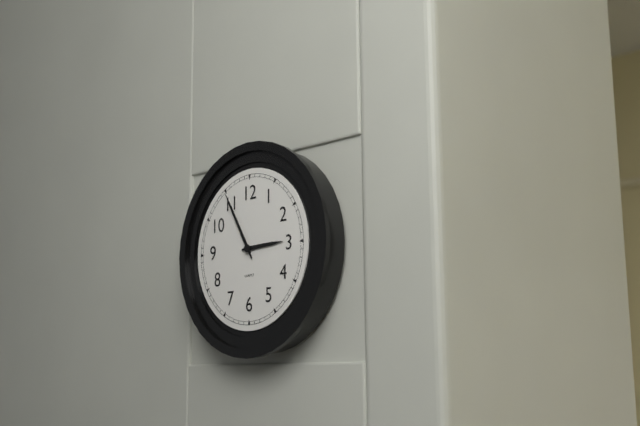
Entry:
h=2 m=55
